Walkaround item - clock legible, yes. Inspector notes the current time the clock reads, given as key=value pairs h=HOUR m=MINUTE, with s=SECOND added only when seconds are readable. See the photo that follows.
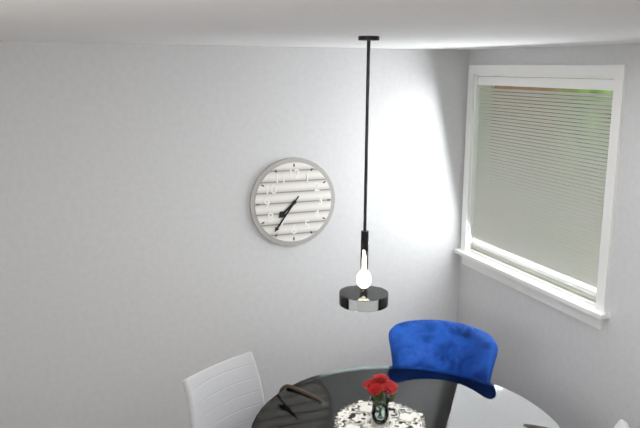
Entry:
h=7 m=36
